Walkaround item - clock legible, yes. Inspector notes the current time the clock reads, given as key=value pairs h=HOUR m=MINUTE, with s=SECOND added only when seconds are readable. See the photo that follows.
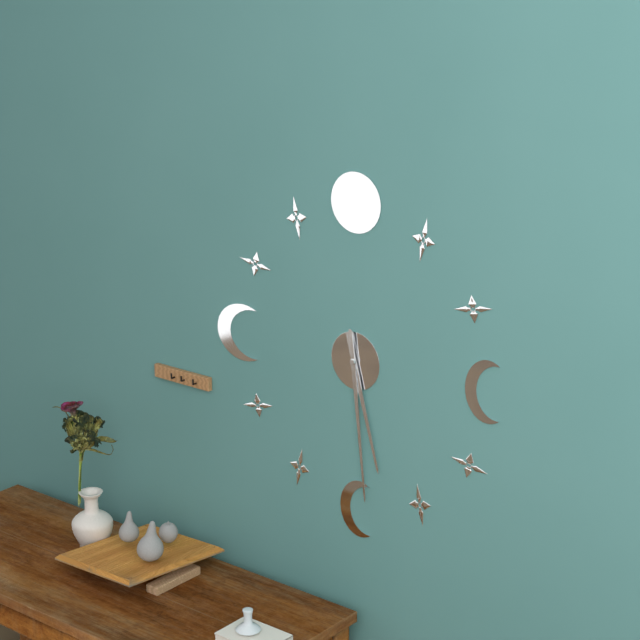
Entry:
h=5 m=29
